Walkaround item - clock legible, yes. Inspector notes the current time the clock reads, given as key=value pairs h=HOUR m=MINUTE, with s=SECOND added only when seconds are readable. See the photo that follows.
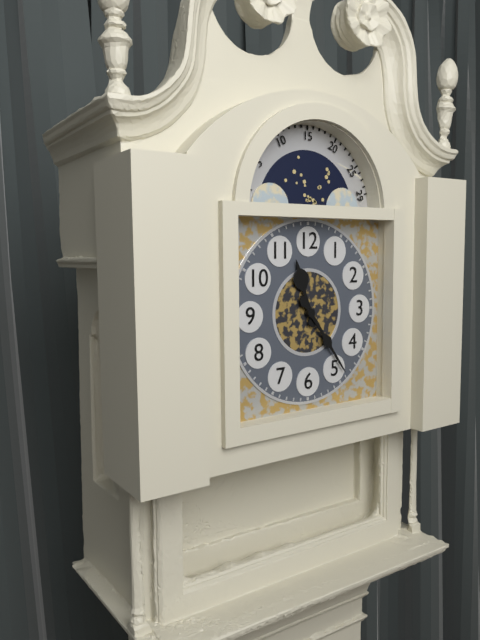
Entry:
h=11 m=24
